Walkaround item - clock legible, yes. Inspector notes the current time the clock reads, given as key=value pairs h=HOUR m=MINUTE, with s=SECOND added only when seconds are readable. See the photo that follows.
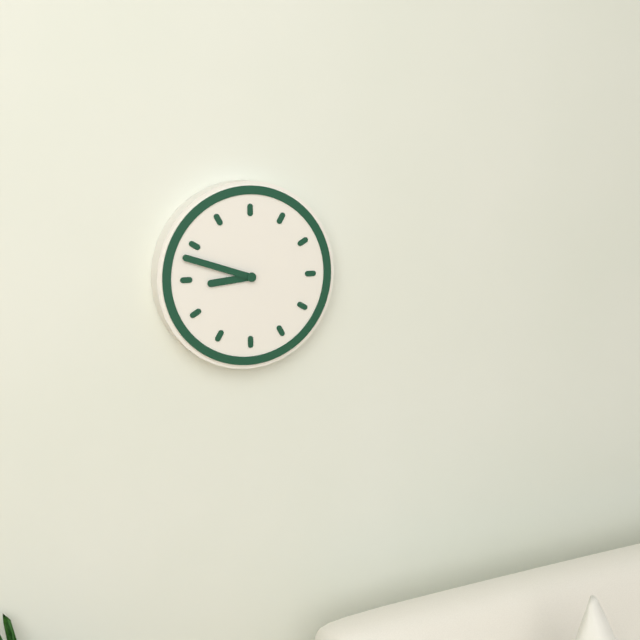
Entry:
h=8 m=48
